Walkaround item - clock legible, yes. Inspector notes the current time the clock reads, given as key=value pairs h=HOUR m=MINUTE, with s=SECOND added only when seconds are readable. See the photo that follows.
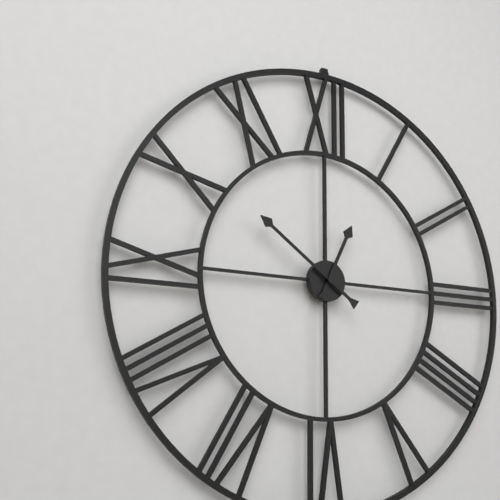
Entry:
h=12 m=51
